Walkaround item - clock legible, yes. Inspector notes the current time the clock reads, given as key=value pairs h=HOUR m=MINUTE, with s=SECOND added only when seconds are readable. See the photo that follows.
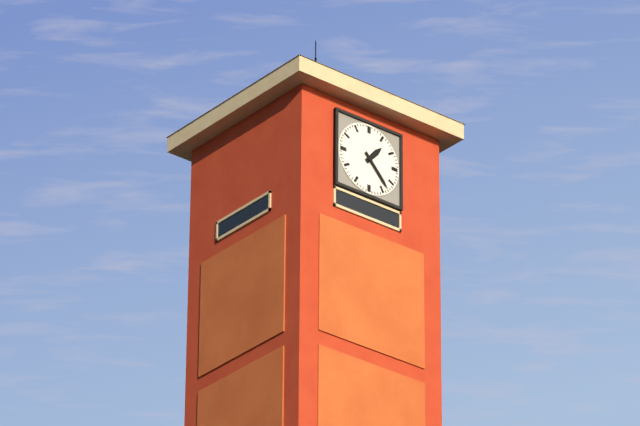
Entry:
h=1 m=23
